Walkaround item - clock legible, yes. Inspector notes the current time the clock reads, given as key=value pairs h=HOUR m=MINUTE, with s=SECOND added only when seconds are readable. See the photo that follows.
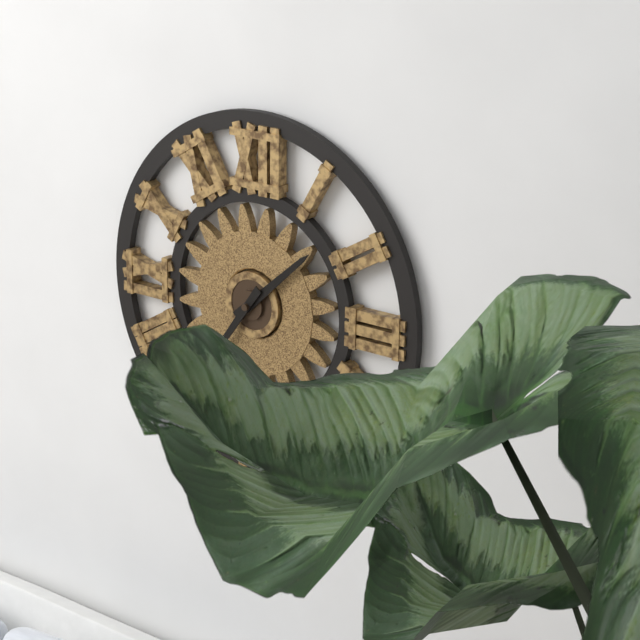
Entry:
h=1 m=36
